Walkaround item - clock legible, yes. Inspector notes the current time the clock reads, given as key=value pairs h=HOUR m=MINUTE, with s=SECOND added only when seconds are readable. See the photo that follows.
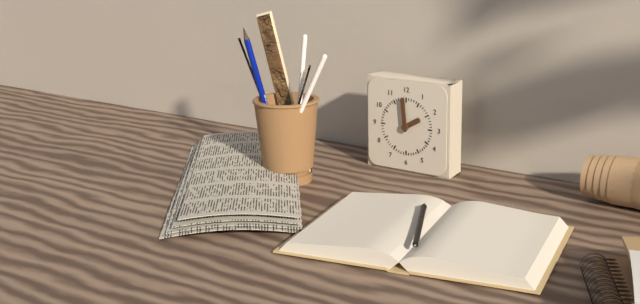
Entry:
h=1 m=59
